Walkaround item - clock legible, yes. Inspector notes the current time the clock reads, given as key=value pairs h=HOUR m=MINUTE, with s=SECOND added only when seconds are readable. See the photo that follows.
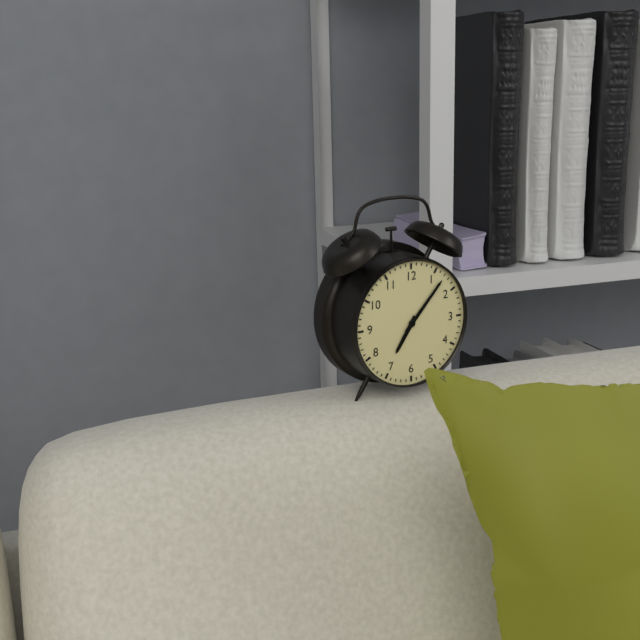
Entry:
h=7 m=7
